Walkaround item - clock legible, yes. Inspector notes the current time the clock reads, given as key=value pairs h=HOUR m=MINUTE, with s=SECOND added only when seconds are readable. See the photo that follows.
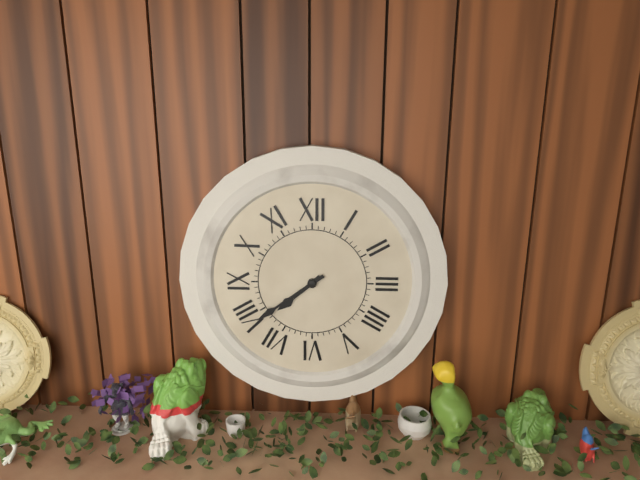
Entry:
h=7 m=39
